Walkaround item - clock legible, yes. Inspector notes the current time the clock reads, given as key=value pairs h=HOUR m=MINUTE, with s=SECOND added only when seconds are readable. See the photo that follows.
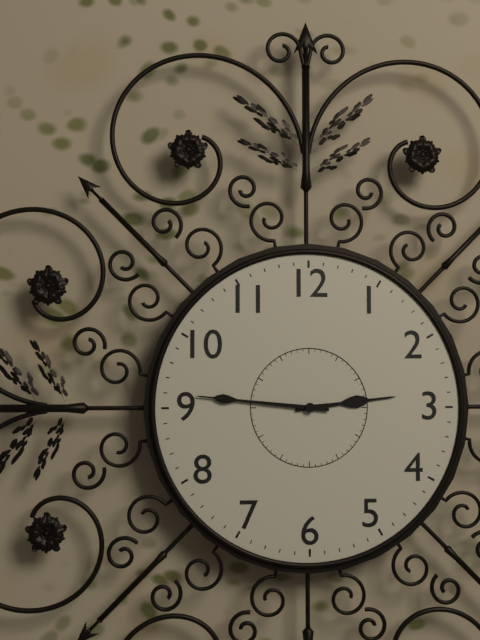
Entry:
h=2 m=46
